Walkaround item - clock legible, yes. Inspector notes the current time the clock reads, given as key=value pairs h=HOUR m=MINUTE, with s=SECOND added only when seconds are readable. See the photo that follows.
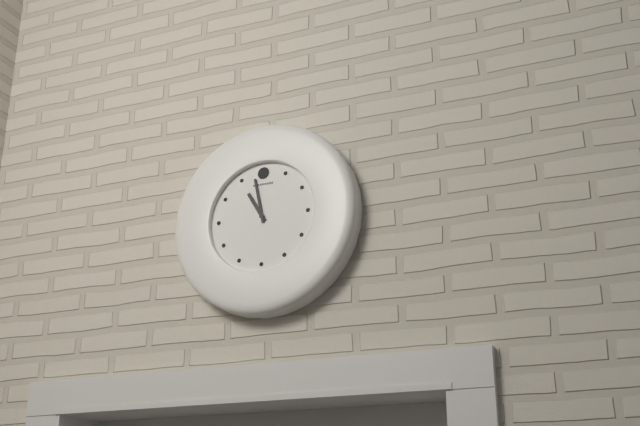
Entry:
h=10 m=58
